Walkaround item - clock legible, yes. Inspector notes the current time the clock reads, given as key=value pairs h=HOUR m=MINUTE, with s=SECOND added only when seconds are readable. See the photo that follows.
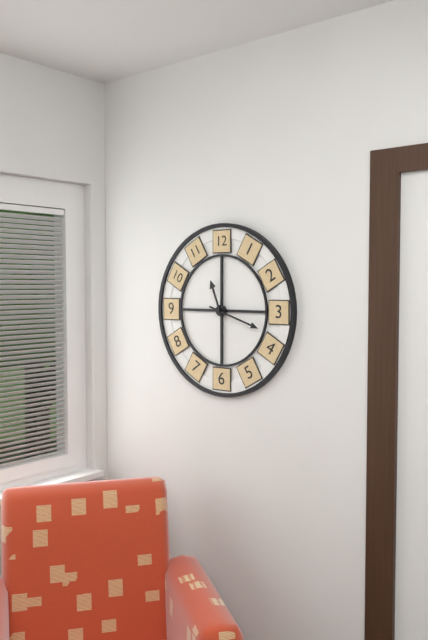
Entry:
h=11 m=18
